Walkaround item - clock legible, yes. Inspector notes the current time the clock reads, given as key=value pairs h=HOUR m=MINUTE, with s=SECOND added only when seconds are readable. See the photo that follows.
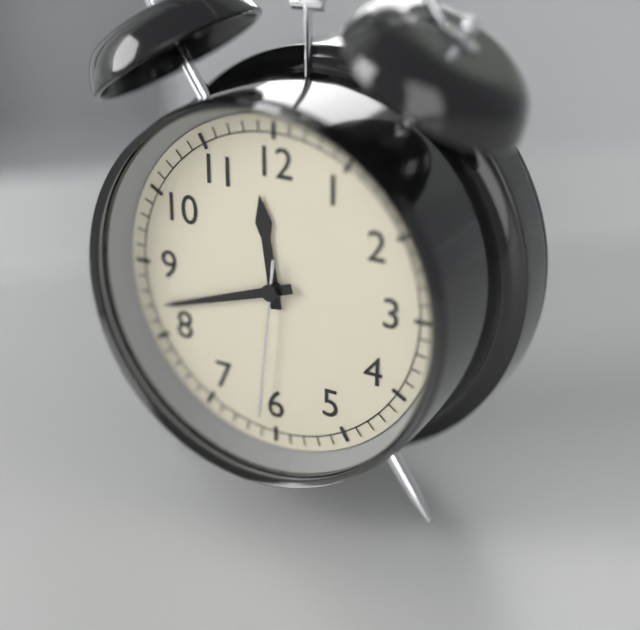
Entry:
h=11 m=42 s=31
